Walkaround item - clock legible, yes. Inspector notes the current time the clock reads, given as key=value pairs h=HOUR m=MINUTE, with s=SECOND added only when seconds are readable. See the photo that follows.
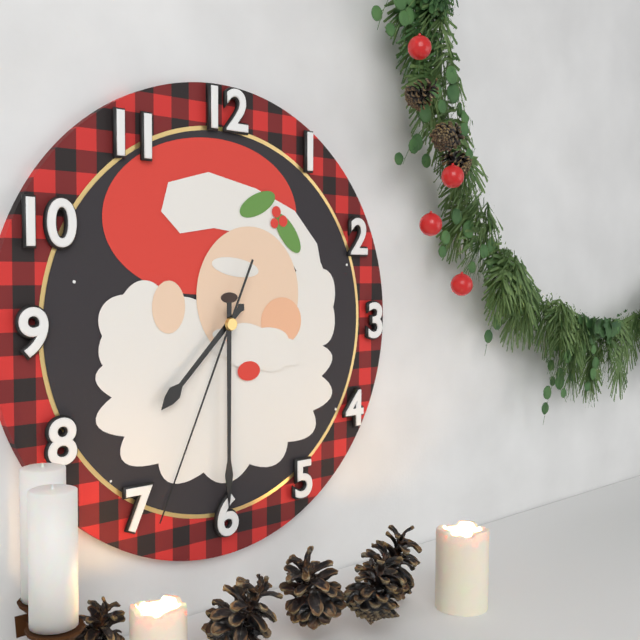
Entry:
h=7 m=30 s=34
